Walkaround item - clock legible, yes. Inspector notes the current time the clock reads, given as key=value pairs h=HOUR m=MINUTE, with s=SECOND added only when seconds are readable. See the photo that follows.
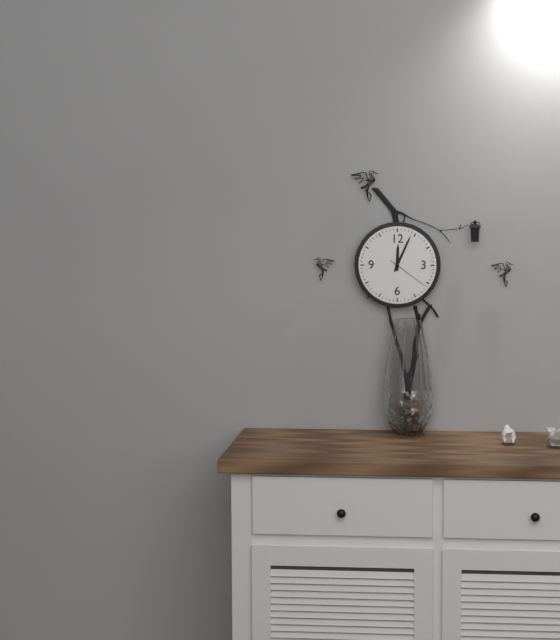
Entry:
h=12 m=4
